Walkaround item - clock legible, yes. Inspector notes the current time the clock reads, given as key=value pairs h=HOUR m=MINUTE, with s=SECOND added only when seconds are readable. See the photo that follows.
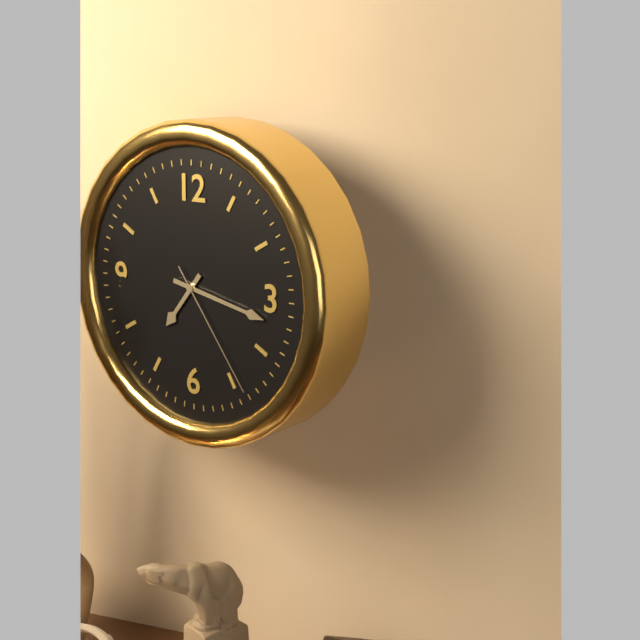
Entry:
h=7 m=17 s=24
